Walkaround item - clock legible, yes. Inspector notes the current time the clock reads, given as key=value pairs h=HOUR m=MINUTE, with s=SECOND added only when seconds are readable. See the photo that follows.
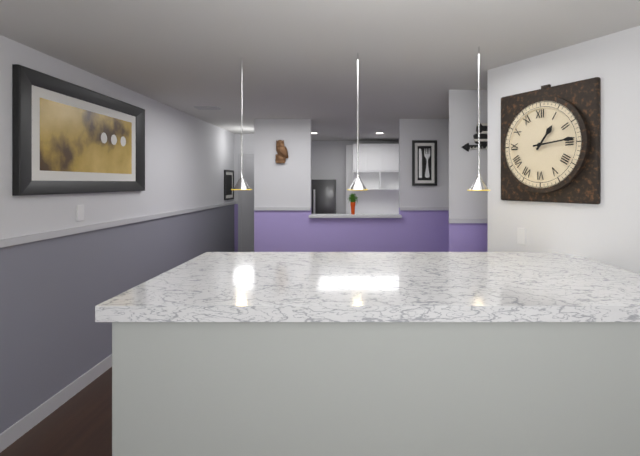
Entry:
h=1 m=14
